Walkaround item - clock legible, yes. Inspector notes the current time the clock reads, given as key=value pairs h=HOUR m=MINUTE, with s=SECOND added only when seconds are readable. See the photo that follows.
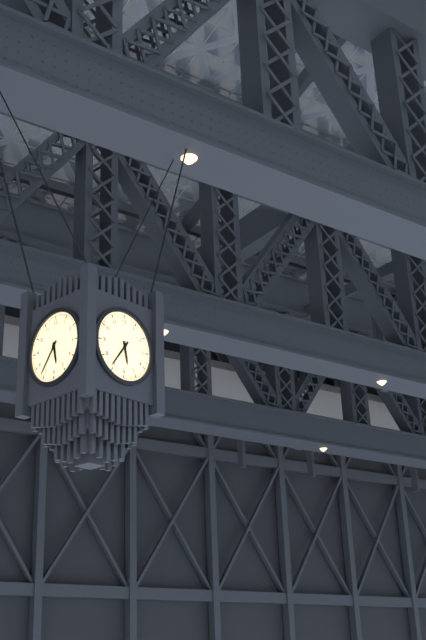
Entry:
h=5 m=36
